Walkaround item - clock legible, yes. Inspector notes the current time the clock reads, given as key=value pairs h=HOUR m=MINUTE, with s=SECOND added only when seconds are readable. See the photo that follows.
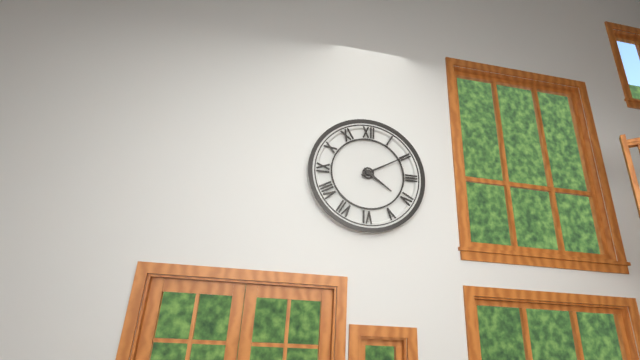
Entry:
h=4 m=10
